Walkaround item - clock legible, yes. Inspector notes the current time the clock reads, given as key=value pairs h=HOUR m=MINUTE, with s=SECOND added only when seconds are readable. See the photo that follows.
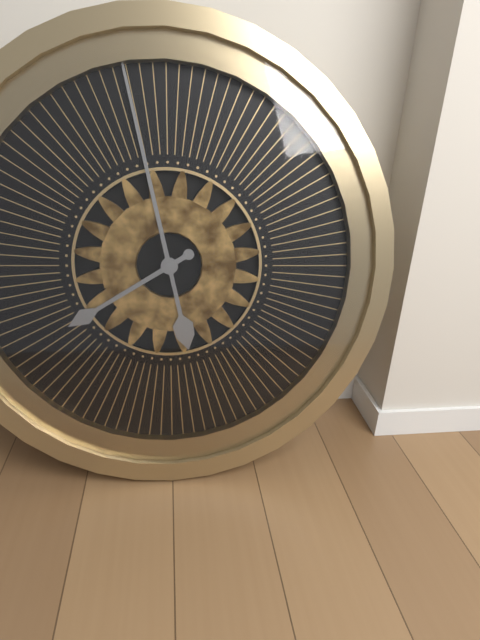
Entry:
h=7 m=58
